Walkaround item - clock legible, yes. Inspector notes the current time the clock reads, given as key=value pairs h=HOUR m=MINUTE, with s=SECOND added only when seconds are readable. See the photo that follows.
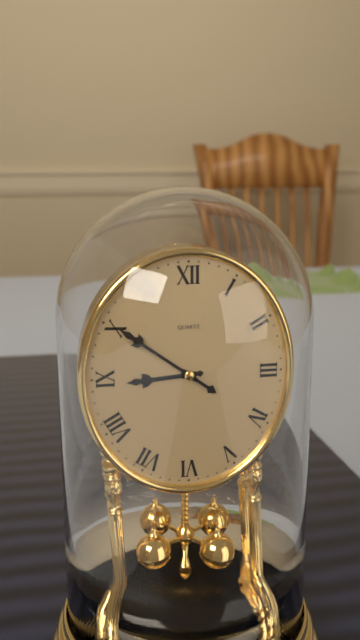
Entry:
h=8 m=51
